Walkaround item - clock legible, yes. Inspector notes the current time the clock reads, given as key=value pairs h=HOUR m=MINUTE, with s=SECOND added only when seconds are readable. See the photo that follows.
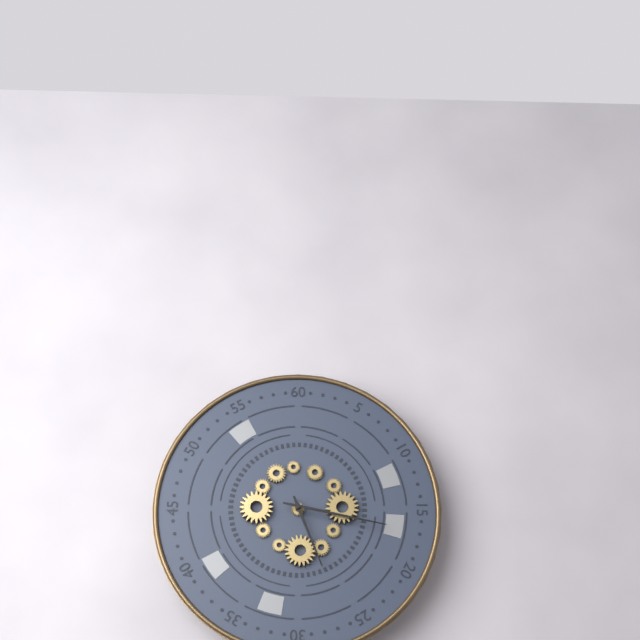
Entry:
h=5 m=17
